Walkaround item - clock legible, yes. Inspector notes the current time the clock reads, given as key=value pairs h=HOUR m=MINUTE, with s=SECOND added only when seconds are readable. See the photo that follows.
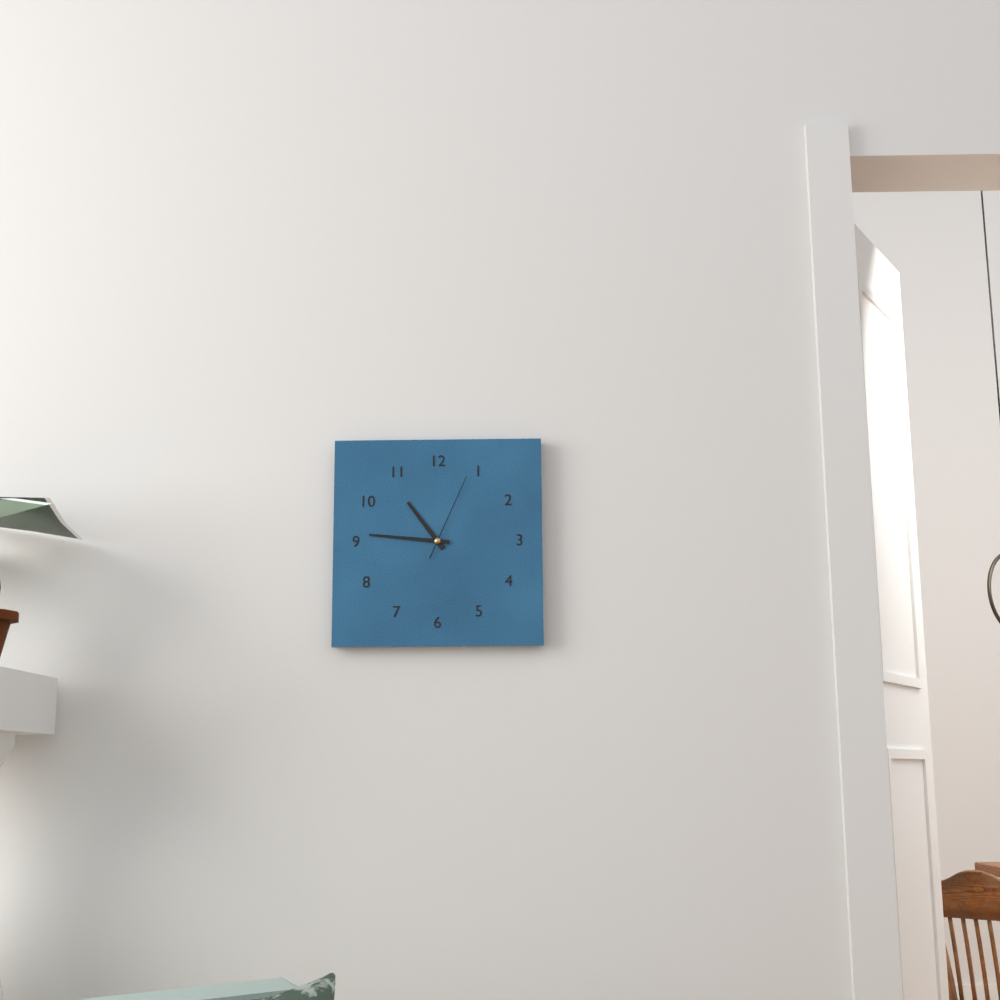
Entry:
h=10 m=46 s=4
